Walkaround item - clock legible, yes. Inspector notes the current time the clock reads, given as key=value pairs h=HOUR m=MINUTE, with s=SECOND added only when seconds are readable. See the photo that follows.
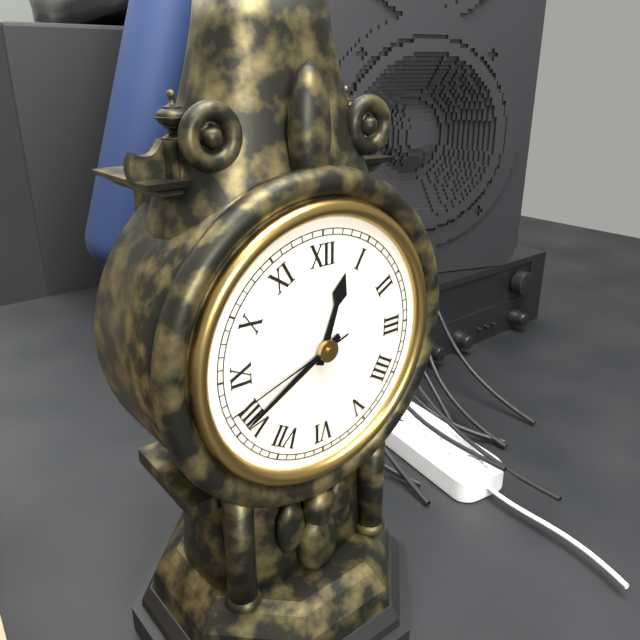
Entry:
h=12 m=40 s=42
